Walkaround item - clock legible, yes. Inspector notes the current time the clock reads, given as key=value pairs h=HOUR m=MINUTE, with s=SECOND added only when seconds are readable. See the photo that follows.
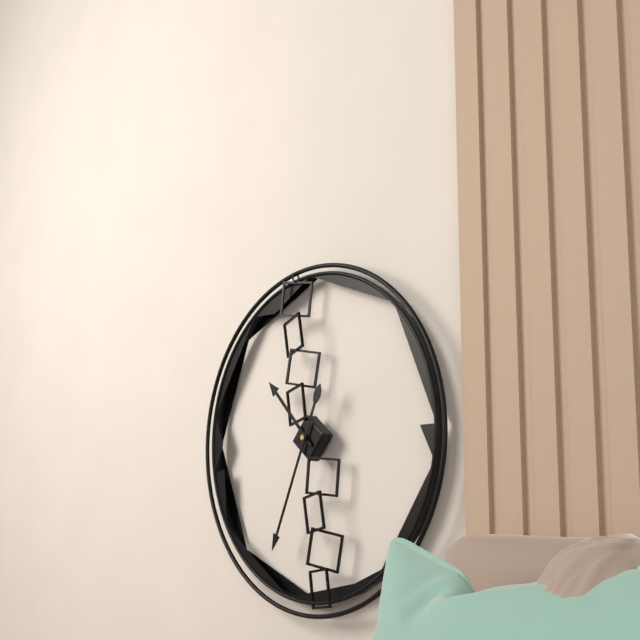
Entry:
h=10 m=34
